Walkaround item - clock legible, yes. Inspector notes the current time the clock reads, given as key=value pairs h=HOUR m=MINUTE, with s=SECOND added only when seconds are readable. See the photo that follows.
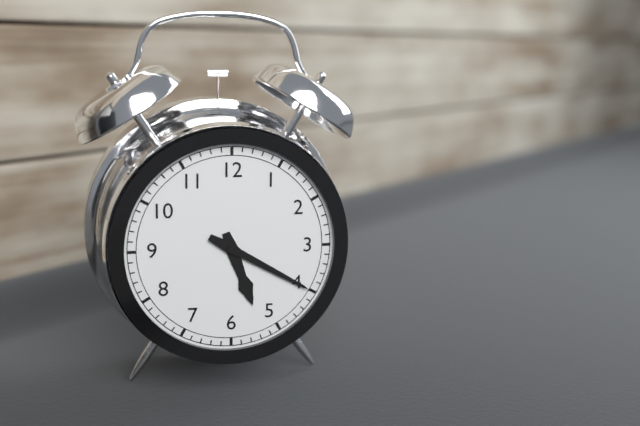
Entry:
h=5 m=20
